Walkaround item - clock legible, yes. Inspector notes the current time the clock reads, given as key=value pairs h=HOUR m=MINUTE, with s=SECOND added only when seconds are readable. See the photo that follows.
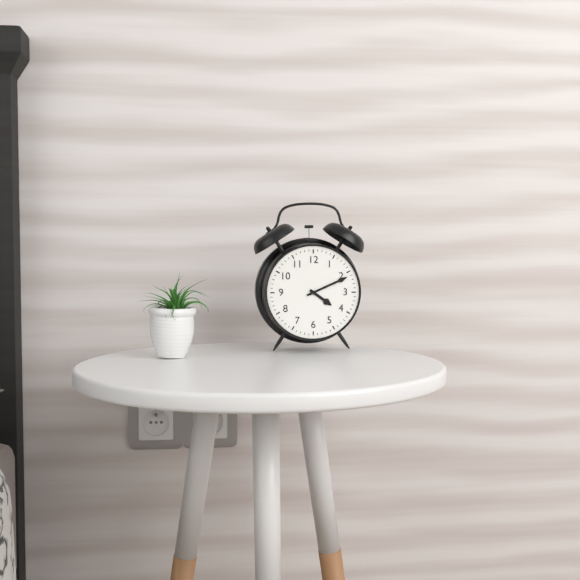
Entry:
h=4 m=11
